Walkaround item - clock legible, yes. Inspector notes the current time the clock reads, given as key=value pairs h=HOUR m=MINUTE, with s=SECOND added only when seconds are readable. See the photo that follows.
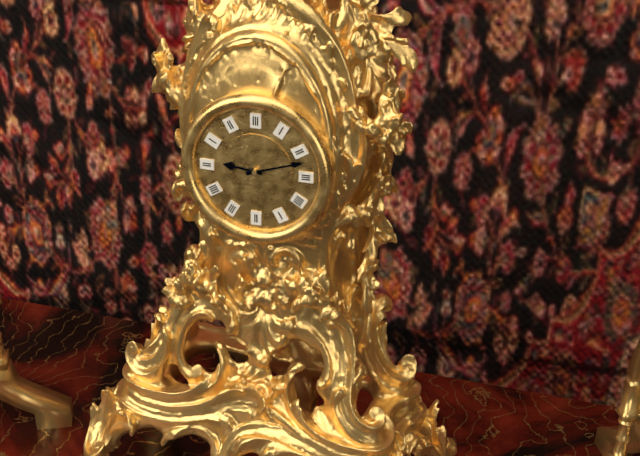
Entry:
h=9 m=12
